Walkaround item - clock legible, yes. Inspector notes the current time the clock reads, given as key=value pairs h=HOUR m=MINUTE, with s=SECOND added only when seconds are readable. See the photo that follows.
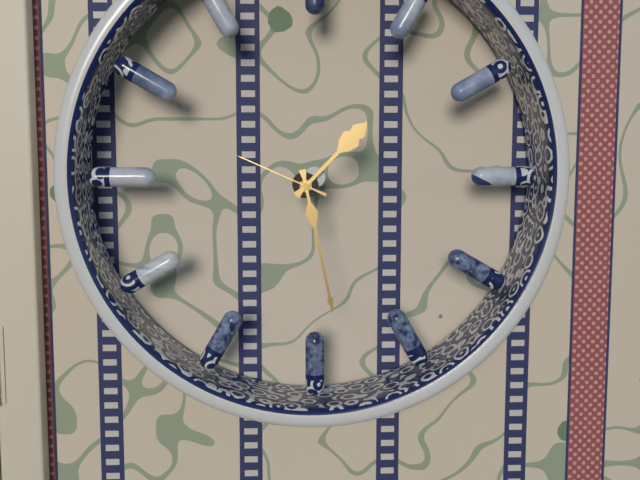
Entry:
h=1 m=28 s=49
